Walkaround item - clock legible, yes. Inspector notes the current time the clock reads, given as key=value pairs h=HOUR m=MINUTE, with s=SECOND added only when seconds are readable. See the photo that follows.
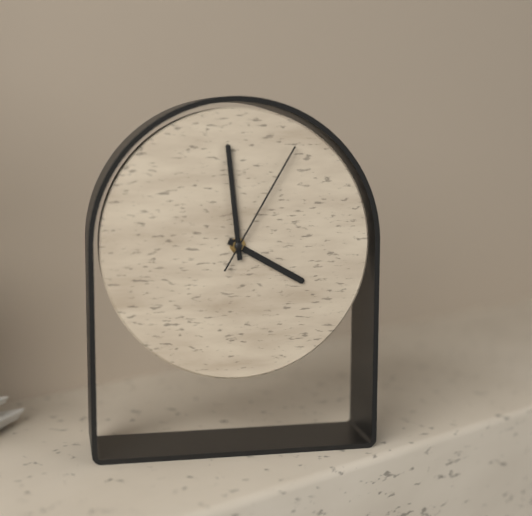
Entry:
h=3 m=59 s=5
